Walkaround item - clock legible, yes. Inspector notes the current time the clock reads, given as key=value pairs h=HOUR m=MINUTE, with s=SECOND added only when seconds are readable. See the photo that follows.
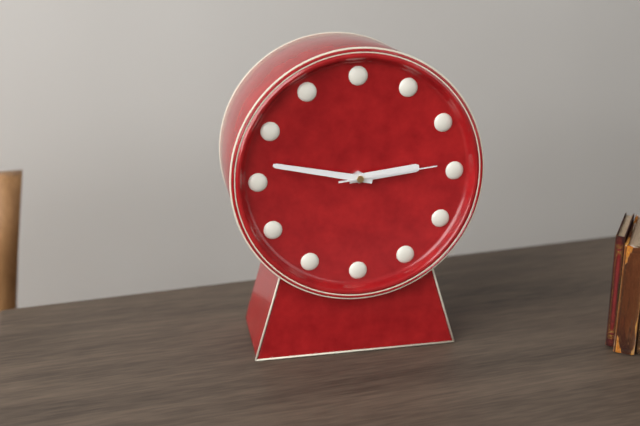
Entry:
h=2 m=47 s=14
